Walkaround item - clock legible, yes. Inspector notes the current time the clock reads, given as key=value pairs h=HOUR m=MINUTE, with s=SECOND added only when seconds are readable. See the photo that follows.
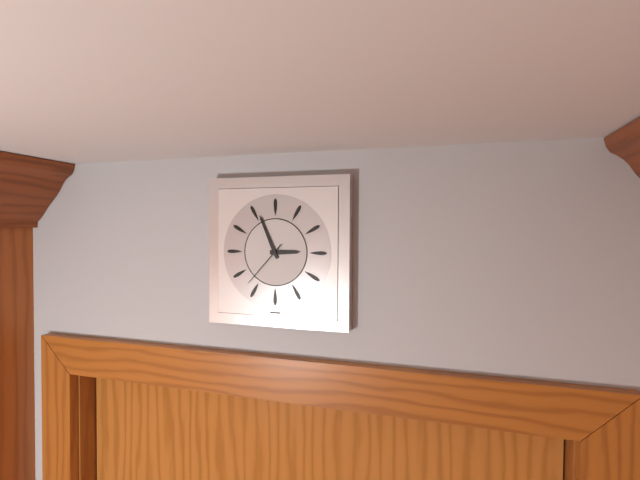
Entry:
h=2 m=56 s=37
